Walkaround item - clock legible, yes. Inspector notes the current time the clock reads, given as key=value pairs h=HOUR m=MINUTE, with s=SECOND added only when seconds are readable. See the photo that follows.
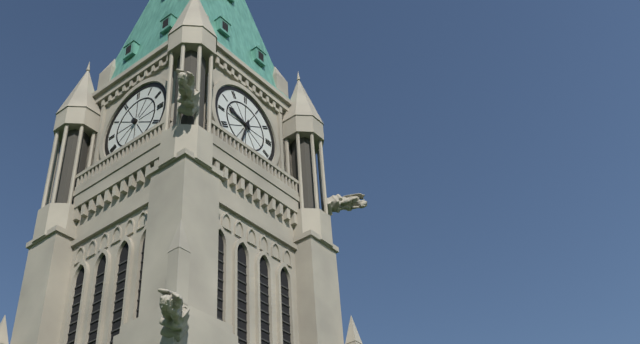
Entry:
h=9 m=33
